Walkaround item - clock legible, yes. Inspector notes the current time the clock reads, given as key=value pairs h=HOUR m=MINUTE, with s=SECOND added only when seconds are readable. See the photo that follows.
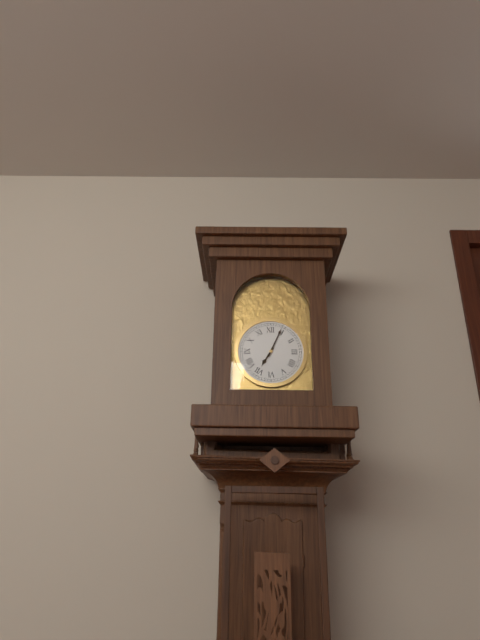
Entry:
h=7 m=4
